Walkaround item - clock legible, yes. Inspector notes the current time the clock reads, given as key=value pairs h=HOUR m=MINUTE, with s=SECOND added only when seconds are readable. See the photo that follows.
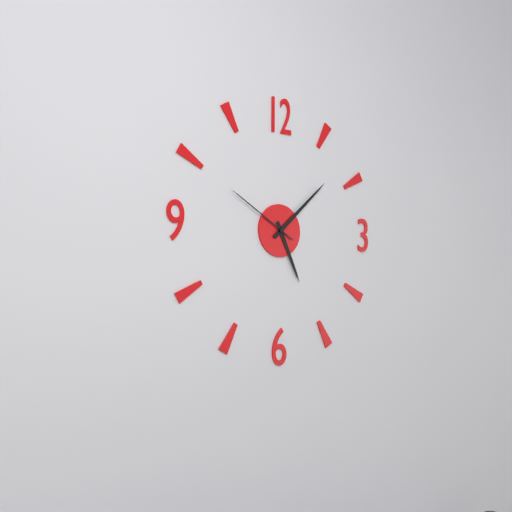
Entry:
h=5 m=8 s=50
